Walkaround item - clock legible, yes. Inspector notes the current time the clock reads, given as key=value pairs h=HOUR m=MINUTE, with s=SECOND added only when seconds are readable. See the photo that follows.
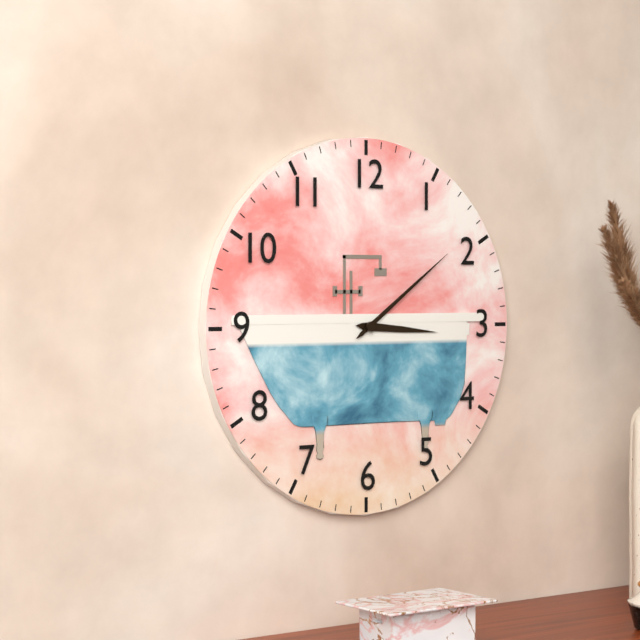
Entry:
h=3 m=9
